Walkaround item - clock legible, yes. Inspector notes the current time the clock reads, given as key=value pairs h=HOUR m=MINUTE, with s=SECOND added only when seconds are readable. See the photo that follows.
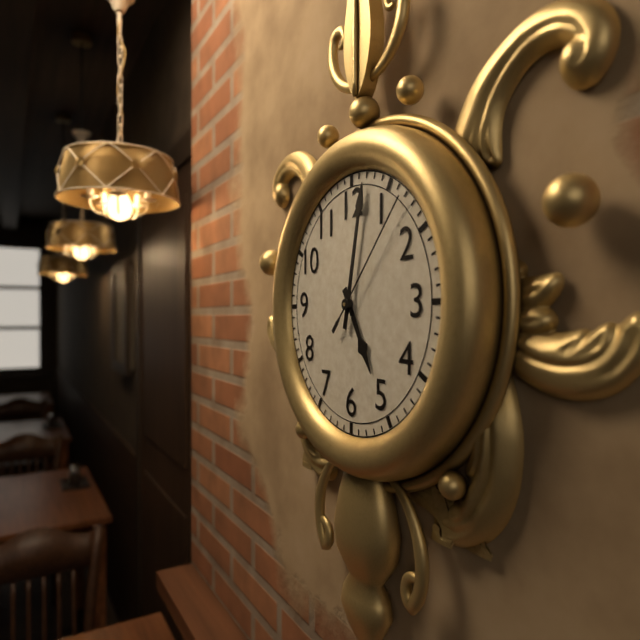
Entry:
h=5 m=2 s=7
